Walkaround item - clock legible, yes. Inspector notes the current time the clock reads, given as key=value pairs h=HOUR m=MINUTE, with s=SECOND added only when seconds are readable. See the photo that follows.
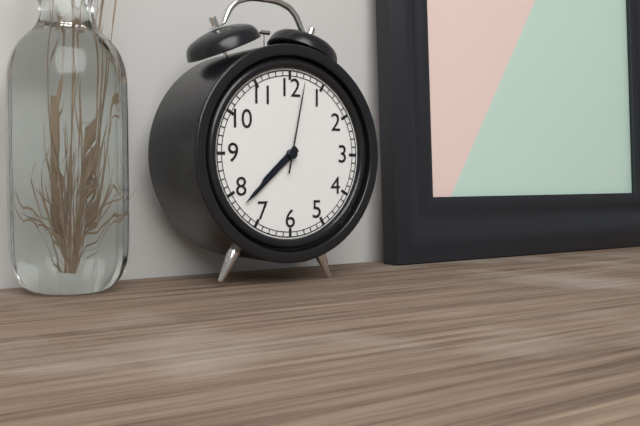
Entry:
h=7 m=38 s=2
